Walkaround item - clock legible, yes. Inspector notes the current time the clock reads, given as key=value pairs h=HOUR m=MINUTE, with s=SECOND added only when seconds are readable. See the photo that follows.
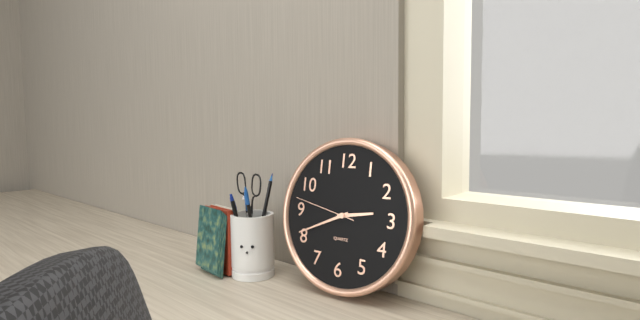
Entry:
h=2 m=41 s=47
